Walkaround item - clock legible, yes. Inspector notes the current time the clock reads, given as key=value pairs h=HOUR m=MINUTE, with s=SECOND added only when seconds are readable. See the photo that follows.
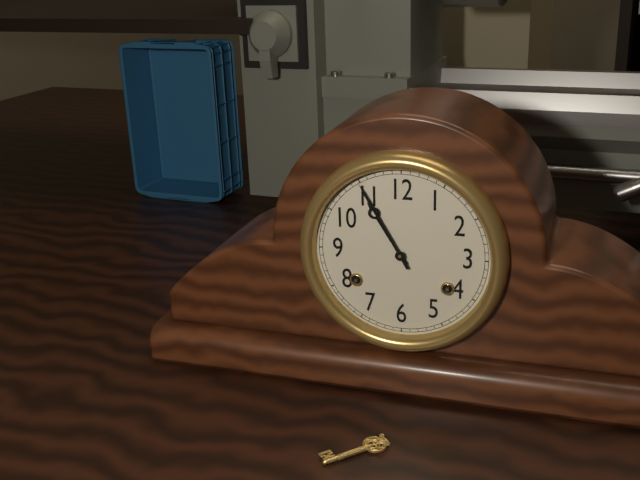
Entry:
h=10 m=55
